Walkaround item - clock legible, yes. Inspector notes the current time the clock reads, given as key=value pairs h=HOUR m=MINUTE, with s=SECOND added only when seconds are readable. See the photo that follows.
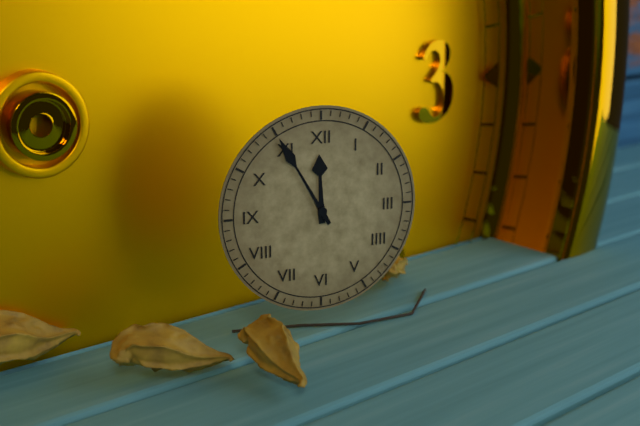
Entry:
h=11 m=55
